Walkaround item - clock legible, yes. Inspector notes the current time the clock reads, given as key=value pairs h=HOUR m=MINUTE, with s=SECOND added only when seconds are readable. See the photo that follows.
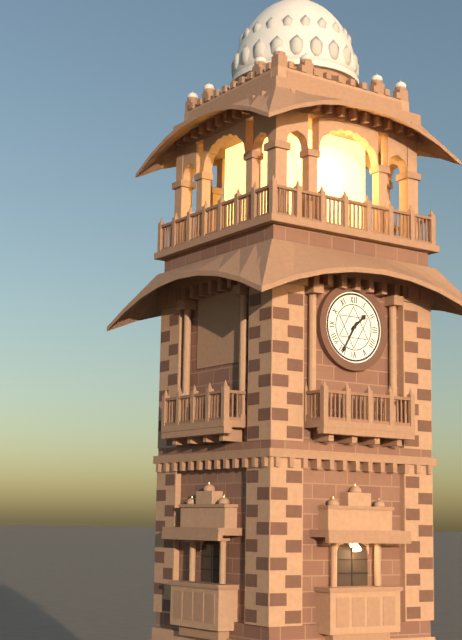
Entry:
h=1 m=35
